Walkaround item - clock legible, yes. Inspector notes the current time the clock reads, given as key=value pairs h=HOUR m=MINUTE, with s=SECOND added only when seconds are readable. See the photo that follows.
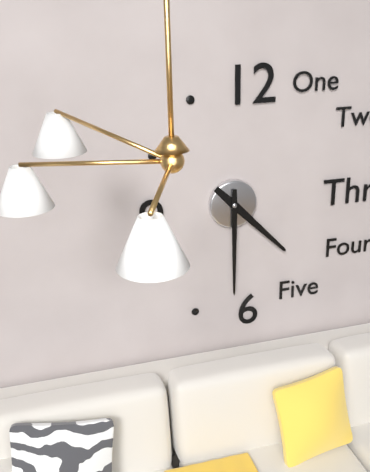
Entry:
h=4 m=30
